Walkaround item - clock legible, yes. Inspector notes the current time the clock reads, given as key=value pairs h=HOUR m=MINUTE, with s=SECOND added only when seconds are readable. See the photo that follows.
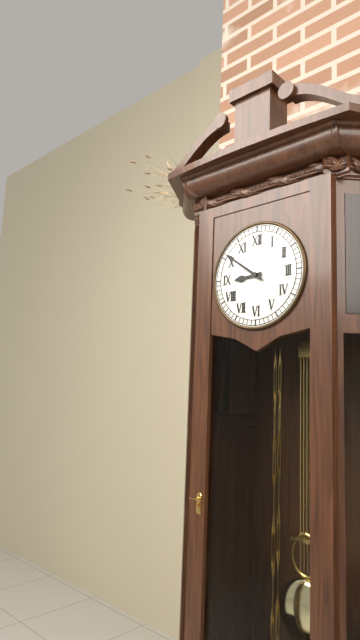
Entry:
h=8 m=51
